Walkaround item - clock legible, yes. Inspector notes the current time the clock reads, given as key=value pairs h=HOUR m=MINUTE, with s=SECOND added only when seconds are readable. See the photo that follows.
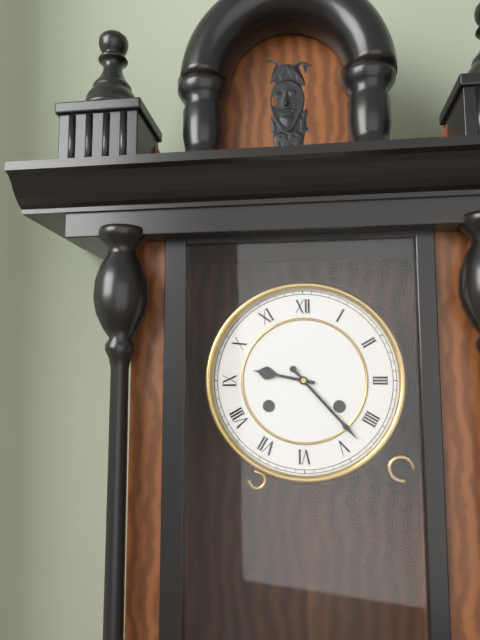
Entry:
h=9 m=23
